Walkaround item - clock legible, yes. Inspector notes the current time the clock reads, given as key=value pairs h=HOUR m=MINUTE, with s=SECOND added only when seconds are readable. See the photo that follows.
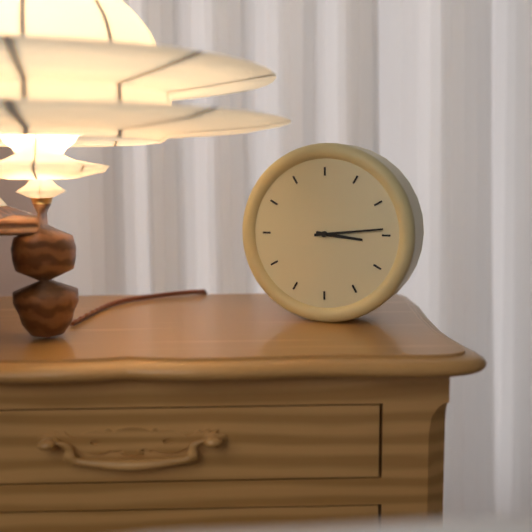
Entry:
h=3 m=14
